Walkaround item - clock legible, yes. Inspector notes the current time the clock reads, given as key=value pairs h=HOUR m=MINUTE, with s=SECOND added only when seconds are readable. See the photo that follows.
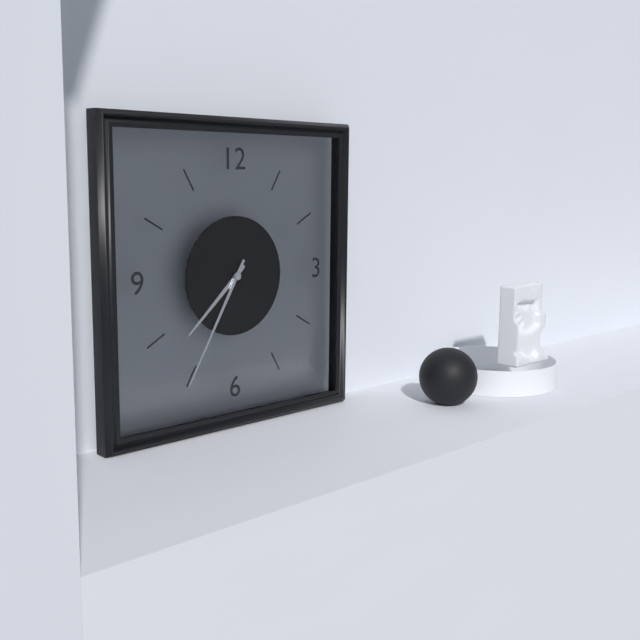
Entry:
h=7 m=35
